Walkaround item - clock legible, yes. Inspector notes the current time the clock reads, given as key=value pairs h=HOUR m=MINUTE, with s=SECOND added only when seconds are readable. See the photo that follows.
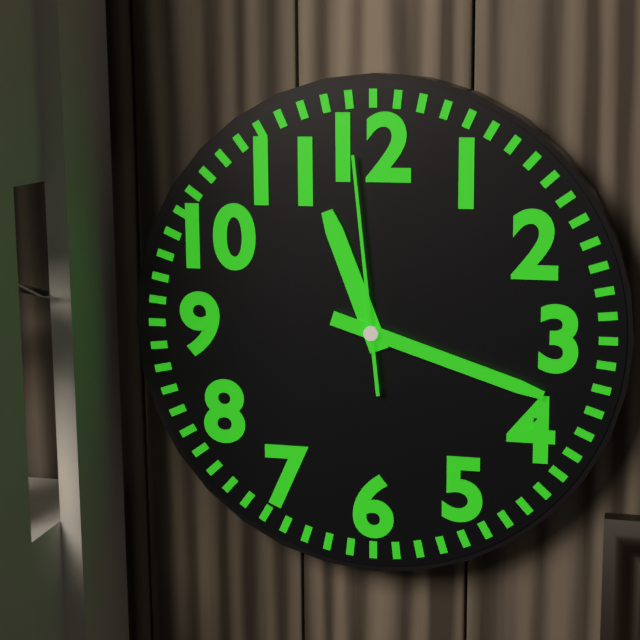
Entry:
h=11 m=18 s=59
